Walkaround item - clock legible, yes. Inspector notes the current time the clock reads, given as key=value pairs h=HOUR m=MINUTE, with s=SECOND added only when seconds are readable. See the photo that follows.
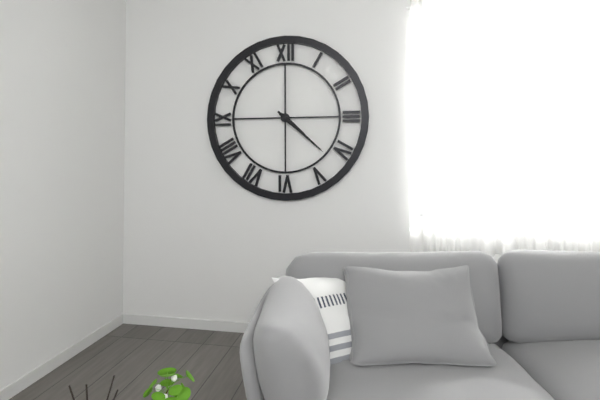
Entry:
h=4 m=22
